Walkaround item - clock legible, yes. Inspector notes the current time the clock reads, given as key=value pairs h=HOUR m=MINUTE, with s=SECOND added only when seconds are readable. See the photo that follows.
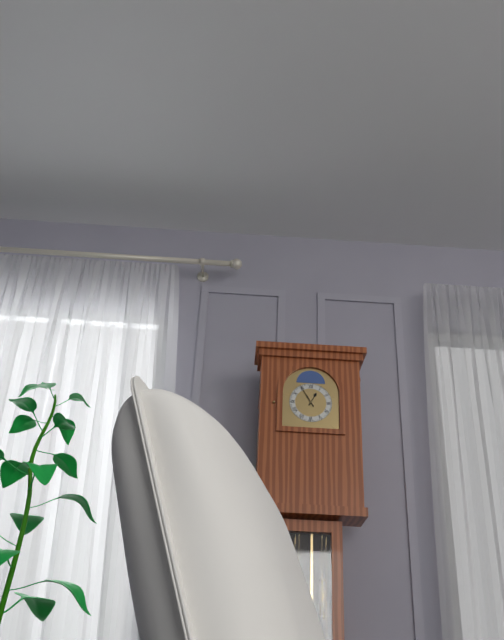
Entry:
h=12 m=55
